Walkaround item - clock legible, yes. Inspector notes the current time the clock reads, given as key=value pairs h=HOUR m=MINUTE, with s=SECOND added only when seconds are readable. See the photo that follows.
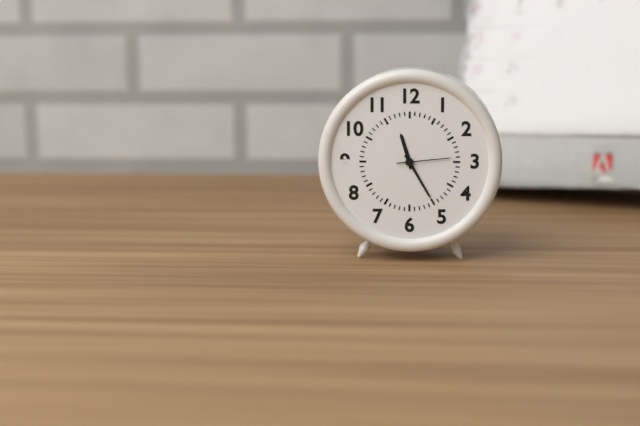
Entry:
h=11 m=25 s=14
